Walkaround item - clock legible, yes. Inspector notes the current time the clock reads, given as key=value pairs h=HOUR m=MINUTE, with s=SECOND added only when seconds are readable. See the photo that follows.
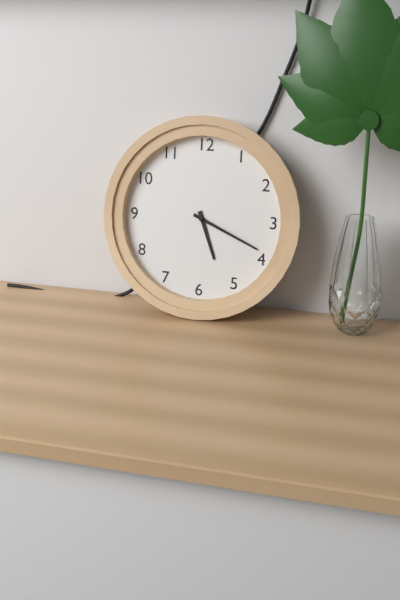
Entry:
h=5 m=19
